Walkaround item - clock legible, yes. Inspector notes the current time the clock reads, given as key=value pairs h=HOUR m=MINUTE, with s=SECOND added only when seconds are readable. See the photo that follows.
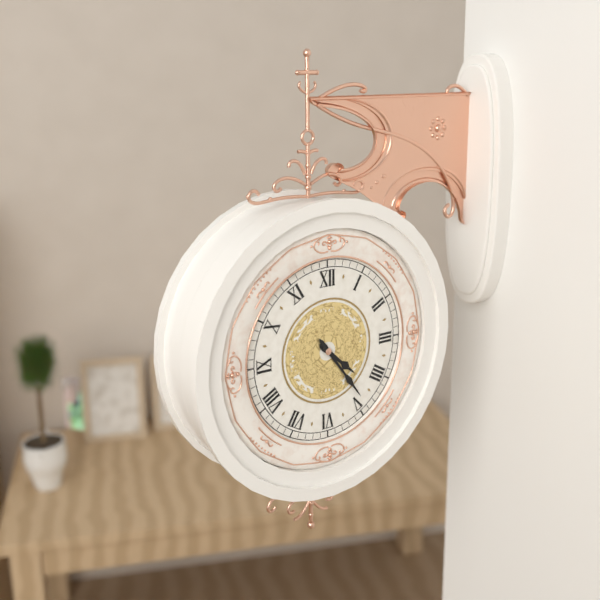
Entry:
h=4 m=24
